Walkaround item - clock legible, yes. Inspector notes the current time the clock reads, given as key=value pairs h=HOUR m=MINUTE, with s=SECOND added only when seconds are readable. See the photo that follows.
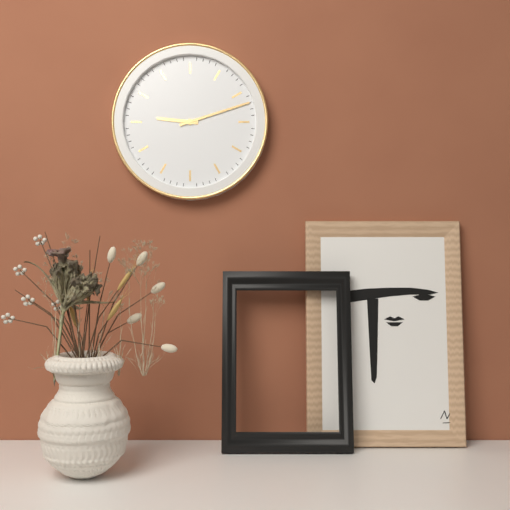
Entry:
h=9 m=12
